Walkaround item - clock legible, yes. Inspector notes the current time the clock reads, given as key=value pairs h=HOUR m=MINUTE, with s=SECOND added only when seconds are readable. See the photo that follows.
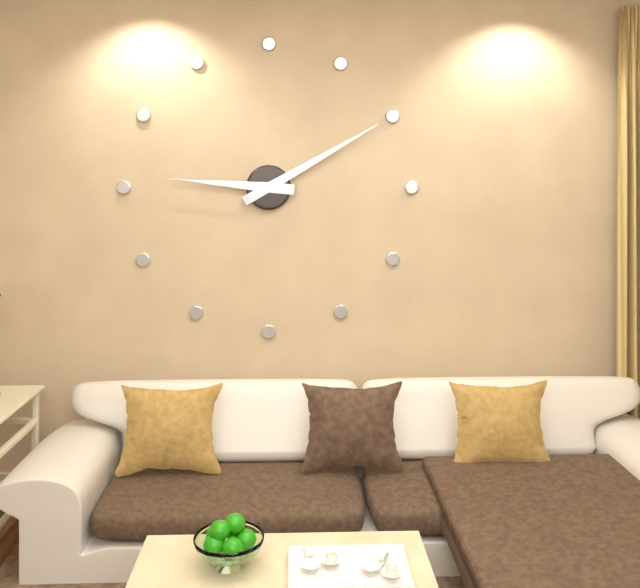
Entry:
h=9 m=10
